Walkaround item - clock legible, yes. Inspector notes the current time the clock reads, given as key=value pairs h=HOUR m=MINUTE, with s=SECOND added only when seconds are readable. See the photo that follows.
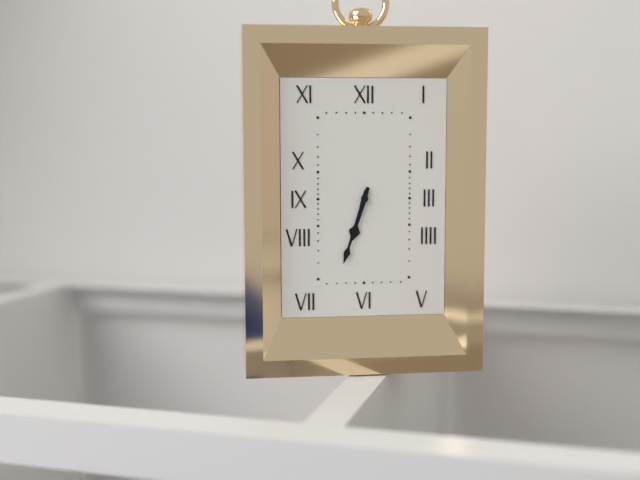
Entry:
h=6 m=33
